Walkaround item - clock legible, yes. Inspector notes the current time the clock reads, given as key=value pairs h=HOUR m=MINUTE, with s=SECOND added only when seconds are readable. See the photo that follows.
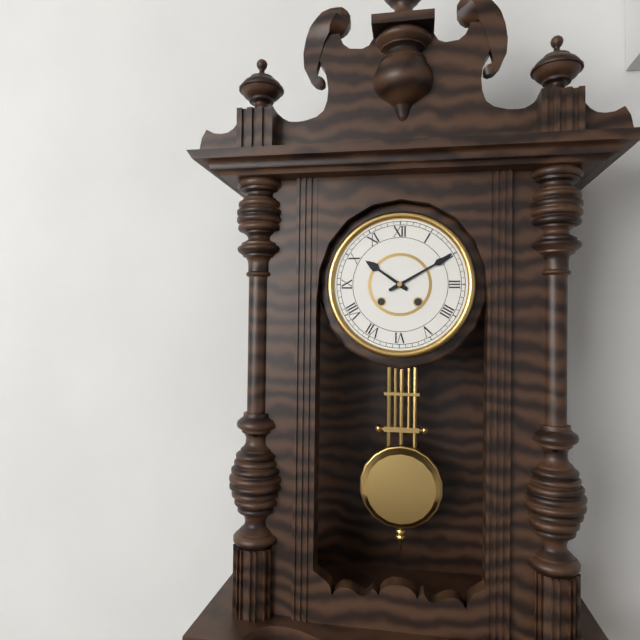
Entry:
h=10 m=10
